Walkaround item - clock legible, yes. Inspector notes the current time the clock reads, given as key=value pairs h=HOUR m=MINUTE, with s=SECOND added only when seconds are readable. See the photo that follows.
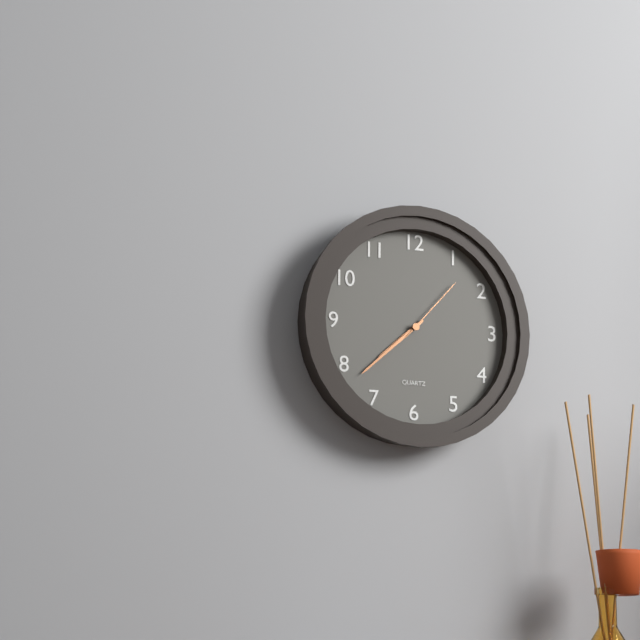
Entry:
h=7 m=38 s=7
